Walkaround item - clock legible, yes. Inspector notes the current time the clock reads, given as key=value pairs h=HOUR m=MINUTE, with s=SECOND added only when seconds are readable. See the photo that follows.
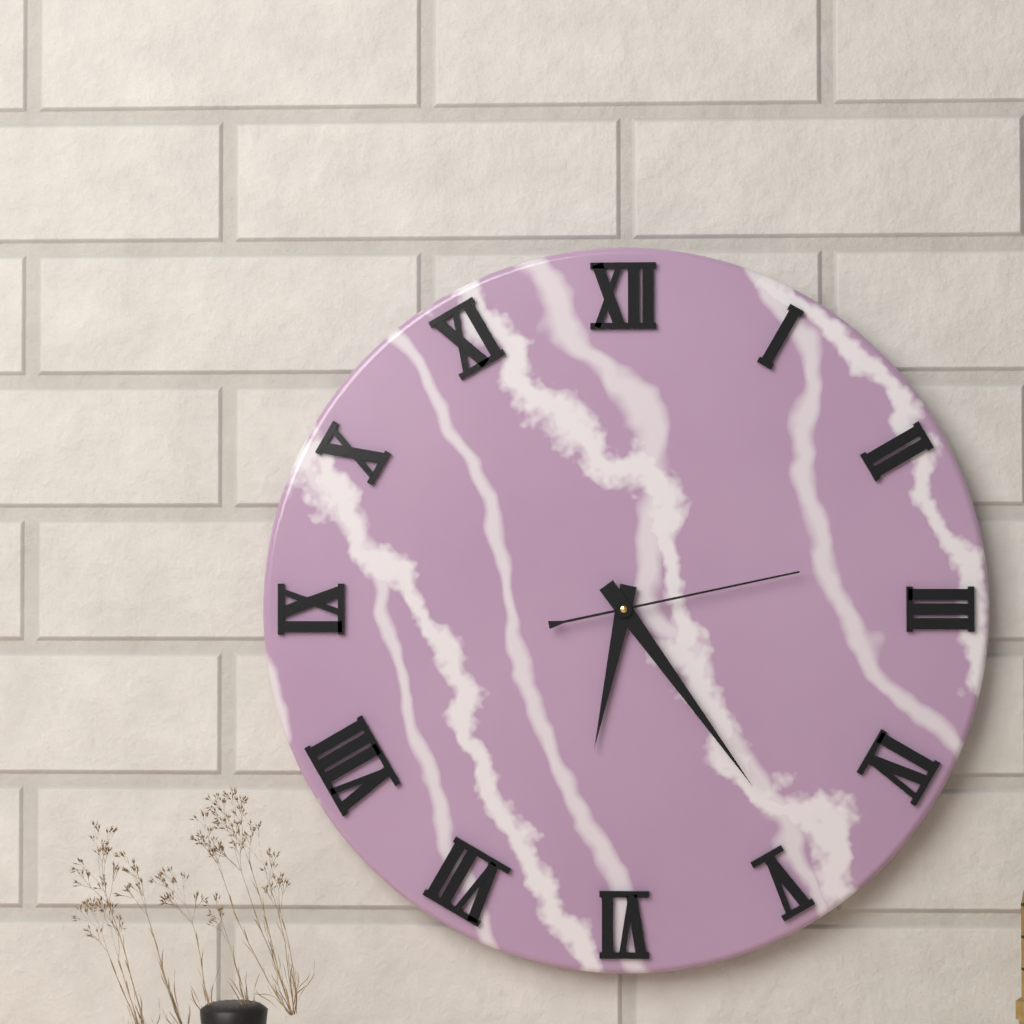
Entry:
h=6 m=24 s=13
